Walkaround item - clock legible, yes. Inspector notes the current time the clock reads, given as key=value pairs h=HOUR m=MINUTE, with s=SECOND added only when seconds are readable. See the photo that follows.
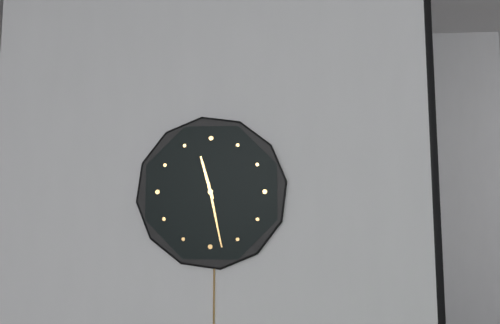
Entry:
h=11 m=28
